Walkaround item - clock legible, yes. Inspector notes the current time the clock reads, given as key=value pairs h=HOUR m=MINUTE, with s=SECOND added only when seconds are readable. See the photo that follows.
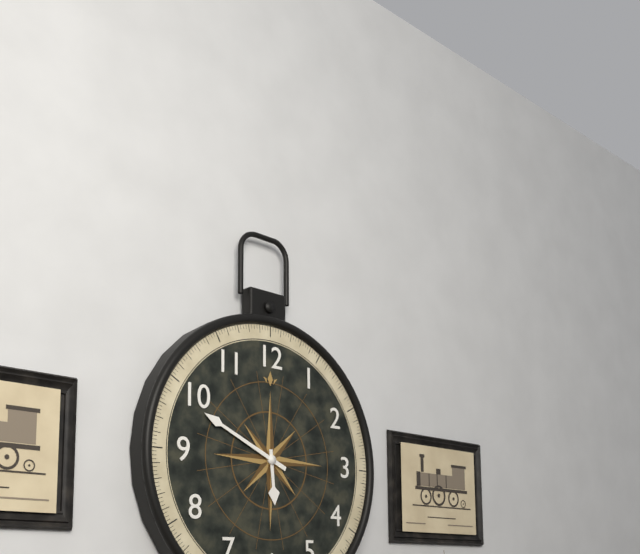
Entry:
h=5 m=49
